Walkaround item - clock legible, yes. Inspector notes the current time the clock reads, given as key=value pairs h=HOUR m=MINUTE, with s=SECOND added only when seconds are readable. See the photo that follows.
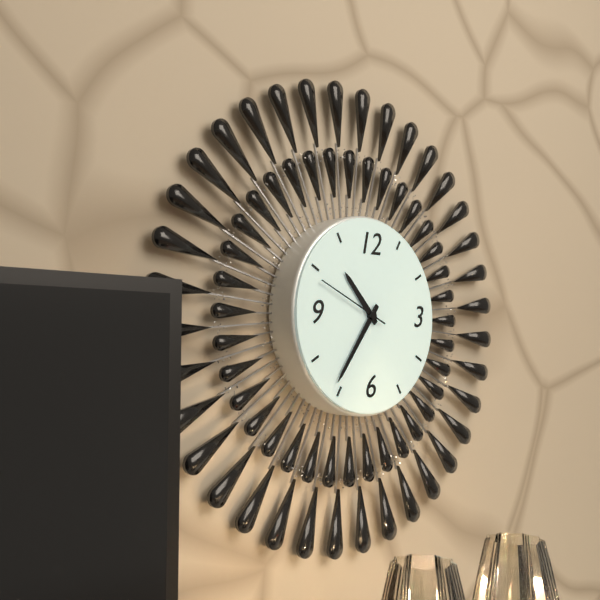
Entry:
h=10 m=36 s=49
